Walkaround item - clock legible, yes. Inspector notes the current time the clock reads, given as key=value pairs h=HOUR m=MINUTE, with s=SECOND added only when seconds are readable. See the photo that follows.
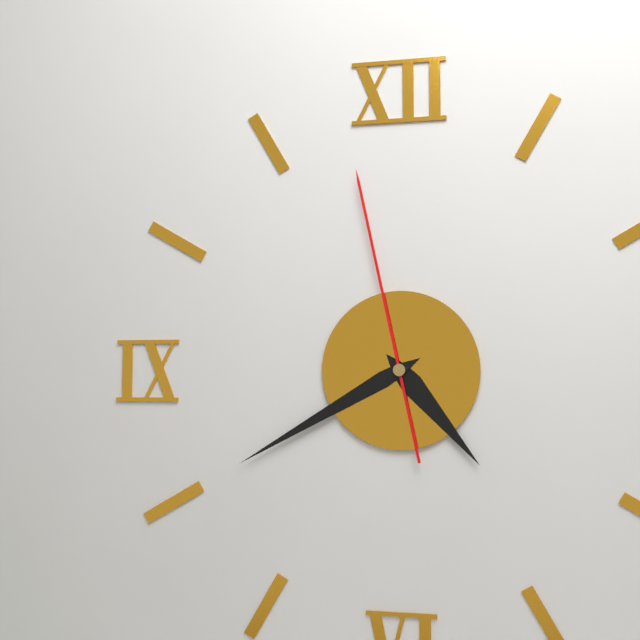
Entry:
h=4 m=40 s=58
